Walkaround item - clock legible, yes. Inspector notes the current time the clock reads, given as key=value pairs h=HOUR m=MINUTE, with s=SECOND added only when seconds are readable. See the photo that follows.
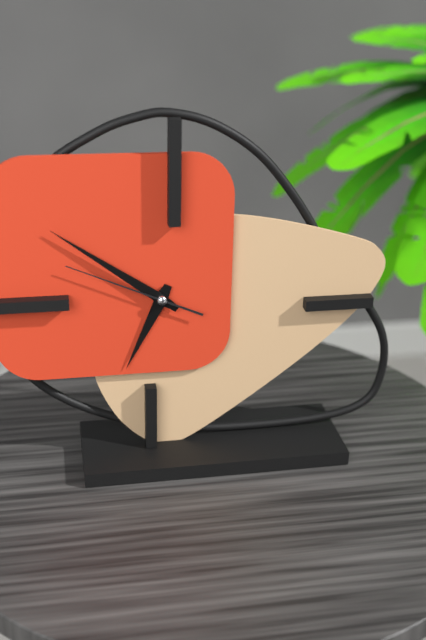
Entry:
h=6 m=51 s=49
